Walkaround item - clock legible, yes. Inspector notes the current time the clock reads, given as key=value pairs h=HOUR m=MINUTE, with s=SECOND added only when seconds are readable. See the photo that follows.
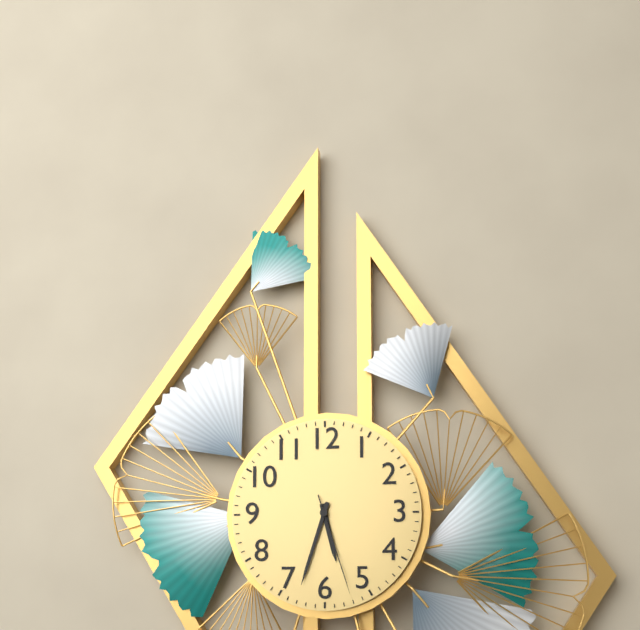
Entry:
h=5 m=33 s=27
